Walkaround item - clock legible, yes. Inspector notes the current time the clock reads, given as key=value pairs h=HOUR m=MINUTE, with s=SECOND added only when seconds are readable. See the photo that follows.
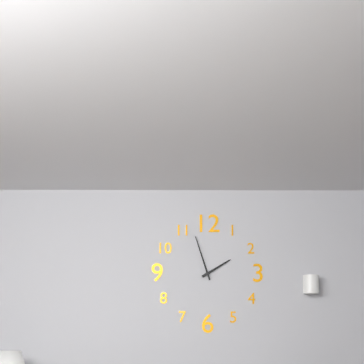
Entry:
h=1 m=57
